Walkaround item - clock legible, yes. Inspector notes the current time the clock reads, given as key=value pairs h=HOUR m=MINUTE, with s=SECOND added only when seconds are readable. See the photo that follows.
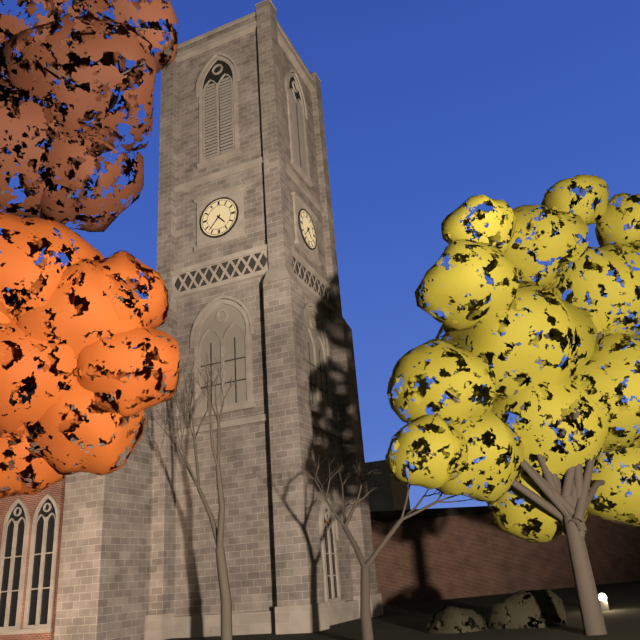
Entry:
h=4 m=37
